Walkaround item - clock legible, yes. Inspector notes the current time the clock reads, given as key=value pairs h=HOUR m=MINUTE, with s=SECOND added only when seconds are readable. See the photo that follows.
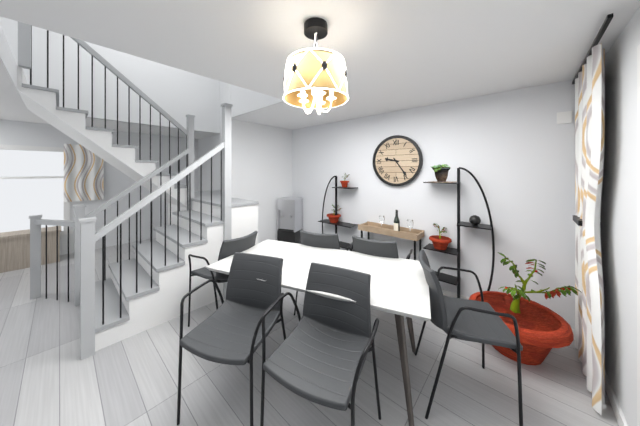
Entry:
h=9 m=24
